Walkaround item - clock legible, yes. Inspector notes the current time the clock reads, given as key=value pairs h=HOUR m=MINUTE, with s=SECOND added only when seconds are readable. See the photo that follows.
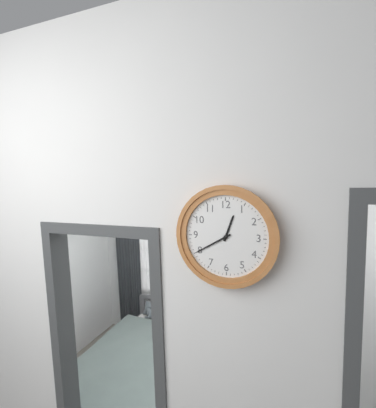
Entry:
h=12 m=40
